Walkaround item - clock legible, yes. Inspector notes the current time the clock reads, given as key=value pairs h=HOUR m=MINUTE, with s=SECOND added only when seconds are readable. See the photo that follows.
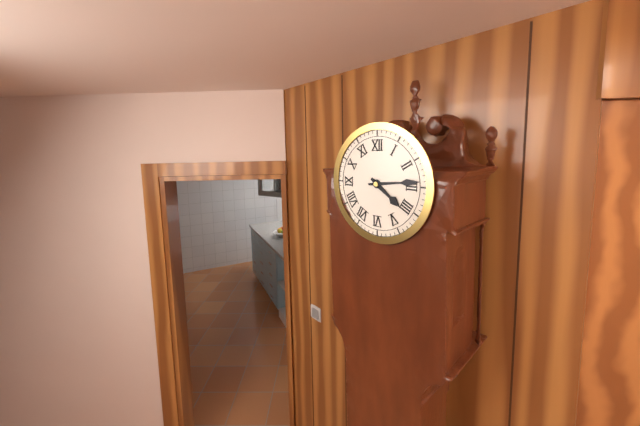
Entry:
h=4 m=14
